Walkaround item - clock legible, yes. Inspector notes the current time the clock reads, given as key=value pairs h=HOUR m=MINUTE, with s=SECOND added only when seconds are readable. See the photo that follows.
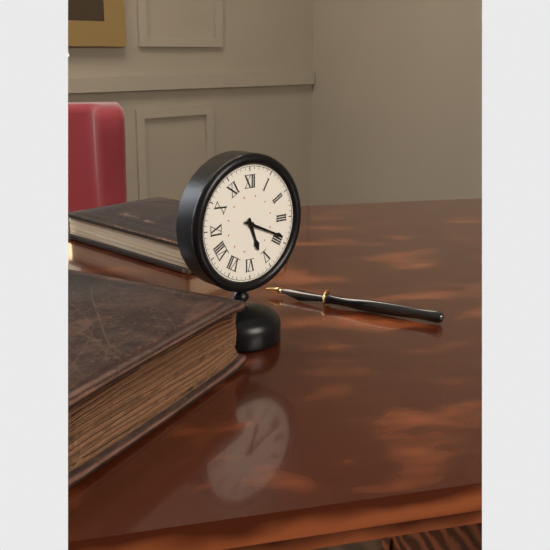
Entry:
h=5 m=19
